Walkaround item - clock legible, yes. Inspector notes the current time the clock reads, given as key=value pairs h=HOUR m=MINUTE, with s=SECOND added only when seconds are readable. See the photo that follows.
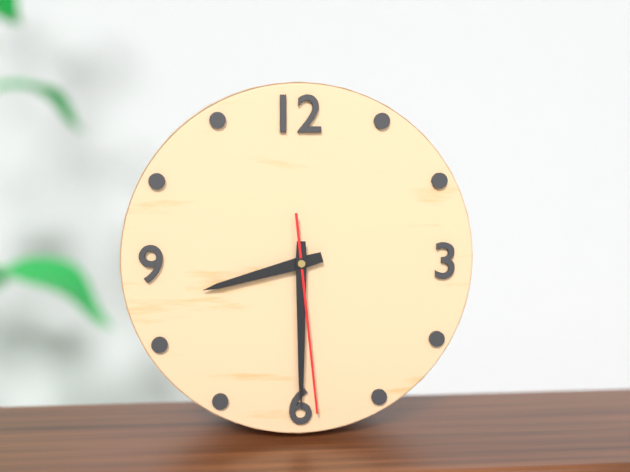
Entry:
h=8 m=30 s=29
